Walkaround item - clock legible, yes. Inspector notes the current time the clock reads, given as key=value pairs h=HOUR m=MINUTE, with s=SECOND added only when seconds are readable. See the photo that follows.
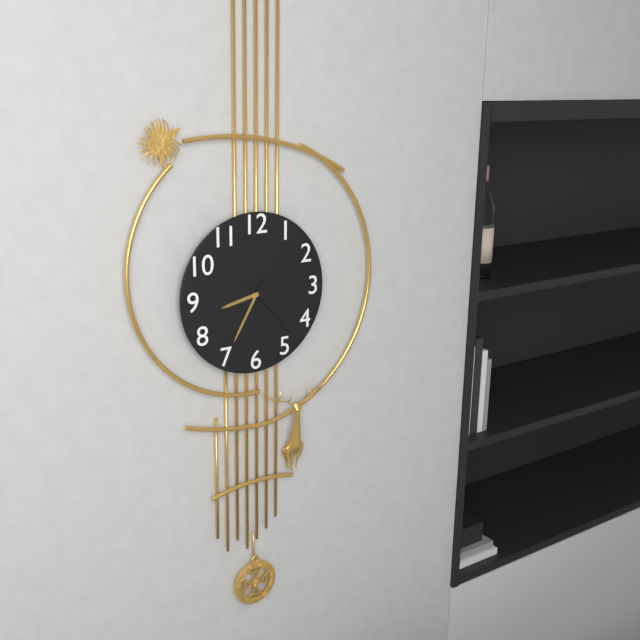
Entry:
h=8 m=35 s=23
